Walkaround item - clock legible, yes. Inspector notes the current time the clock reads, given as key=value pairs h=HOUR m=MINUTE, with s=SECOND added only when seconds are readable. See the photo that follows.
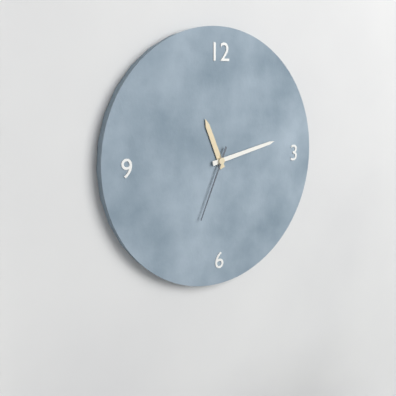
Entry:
h=11 m=13 s=34
